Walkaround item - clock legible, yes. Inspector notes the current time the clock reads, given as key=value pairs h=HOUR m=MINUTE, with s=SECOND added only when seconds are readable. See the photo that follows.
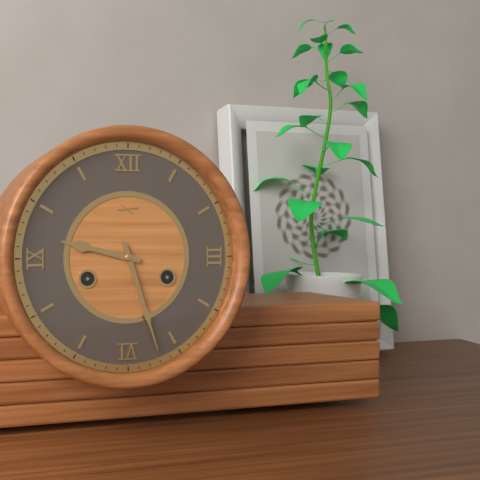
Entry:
h=9 m=27
